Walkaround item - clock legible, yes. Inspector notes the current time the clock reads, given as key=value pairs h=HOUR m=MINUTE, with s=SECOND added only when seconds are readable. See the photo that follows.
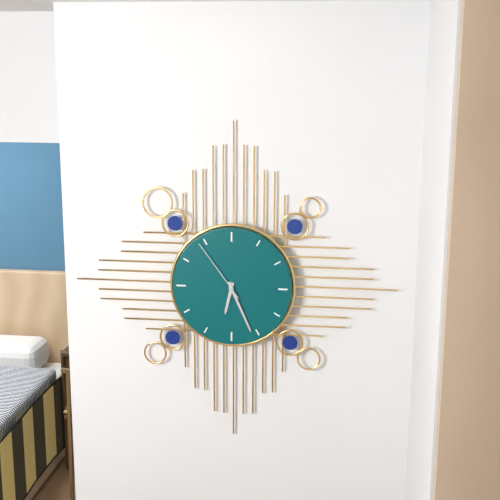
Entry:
h=6 m=26 s=54
